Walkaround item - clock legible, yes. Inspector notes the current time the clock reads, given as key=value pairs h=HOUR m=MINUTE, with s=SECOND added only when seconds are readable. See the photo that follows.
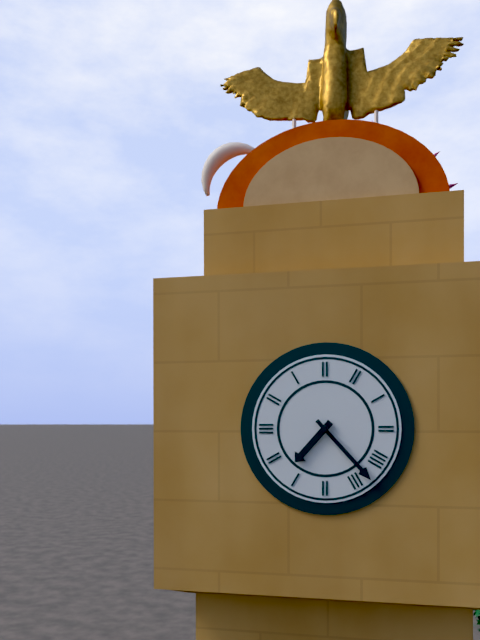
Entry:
h=7 m=23
